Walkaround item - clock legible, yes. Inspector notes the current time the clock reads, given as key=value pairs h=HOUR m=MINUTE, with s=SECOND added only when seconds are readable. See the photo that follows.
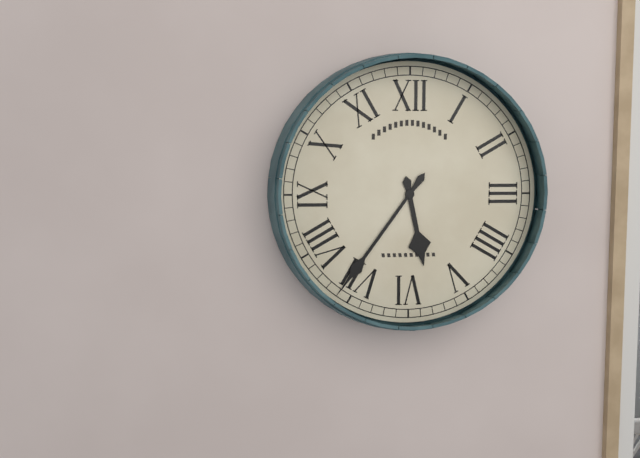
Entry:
h=5 m=36
